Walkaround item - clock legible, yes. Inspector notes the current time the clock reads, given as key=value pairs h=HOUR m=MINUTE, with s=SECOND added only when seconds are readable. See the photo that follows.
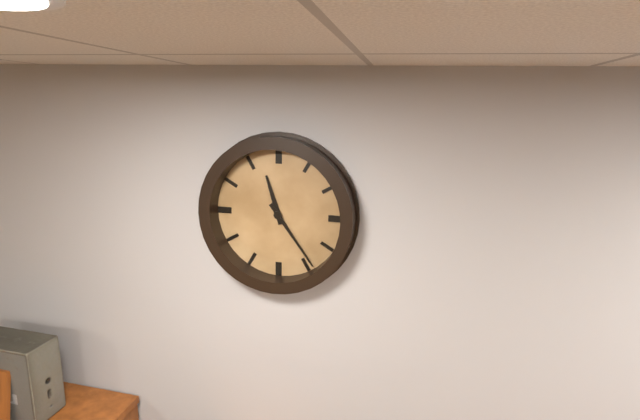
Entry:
h=11 m=24
